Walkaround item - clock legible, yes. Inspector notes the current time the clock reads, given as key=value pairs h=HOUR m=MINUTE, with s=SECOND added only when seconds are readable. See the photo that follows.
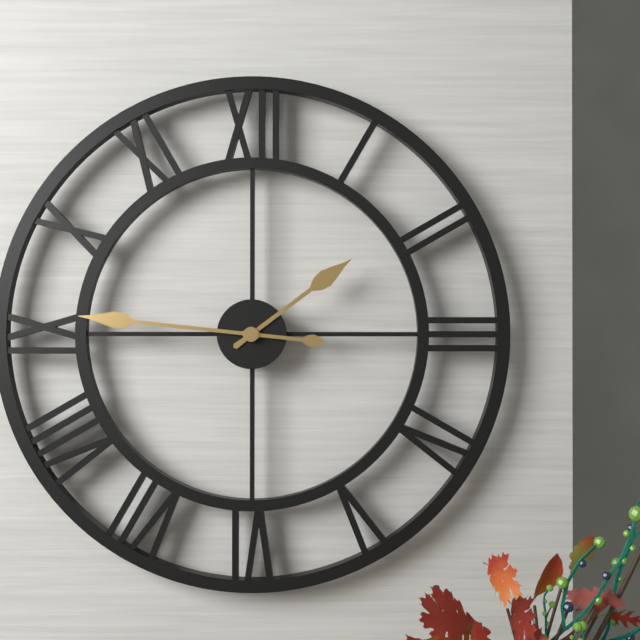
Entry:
h=1 m=46
